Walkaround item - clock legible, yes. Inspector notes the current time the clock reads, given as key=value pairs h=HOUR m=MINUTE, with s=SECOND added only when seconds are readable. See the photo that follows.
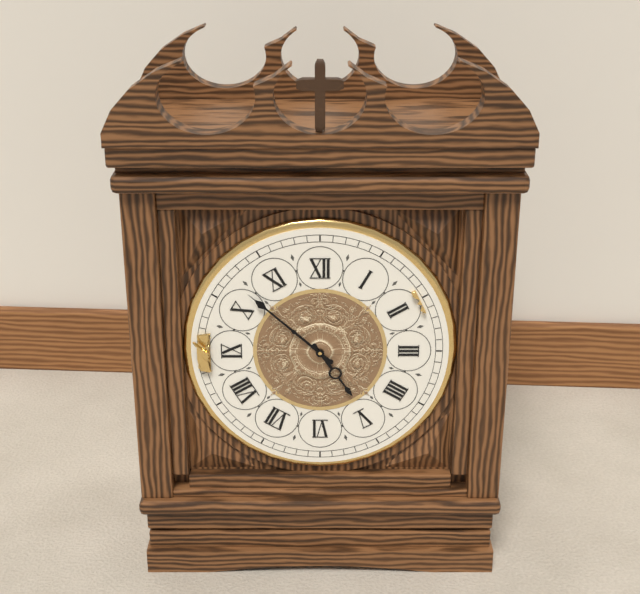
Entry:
h=4 m=52
